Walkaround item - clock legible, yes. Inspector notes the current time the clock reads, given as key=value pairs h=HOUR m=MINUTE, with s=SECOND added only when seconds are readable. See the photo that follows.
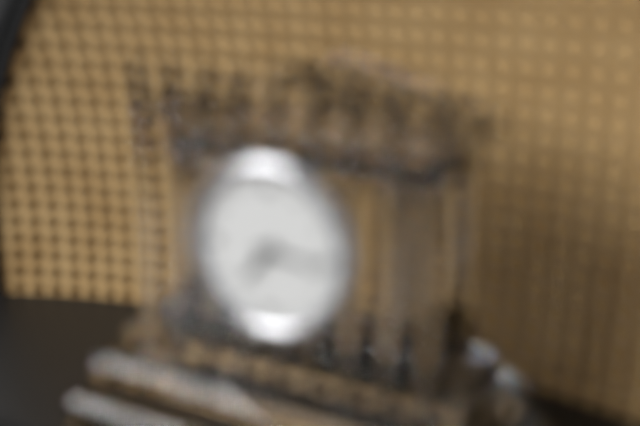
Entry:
h=7 m=16
